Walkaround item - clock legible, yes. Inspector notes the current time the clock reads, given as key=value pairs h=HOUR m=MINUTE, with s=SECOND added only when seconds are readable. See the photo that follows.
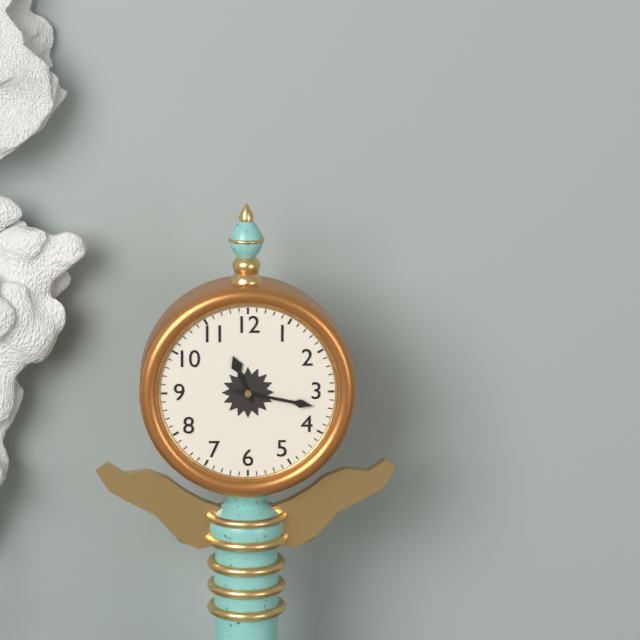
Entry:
h=11 m=17
